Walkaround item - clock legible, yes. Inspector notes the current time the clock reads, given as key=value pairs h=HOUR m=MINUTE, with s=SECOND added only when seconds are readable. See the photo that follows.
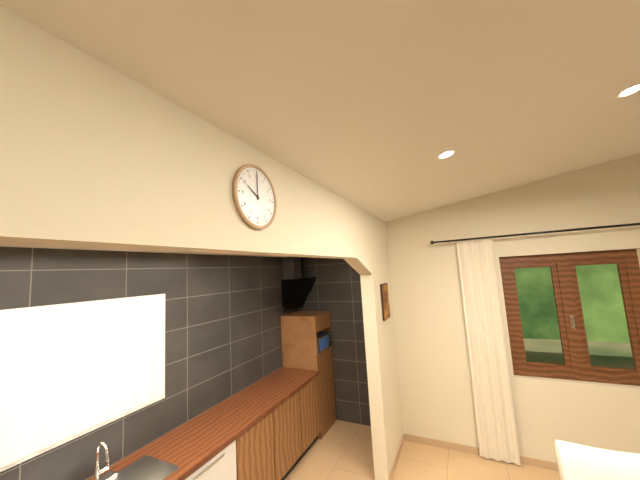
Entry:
h=10 m=0
